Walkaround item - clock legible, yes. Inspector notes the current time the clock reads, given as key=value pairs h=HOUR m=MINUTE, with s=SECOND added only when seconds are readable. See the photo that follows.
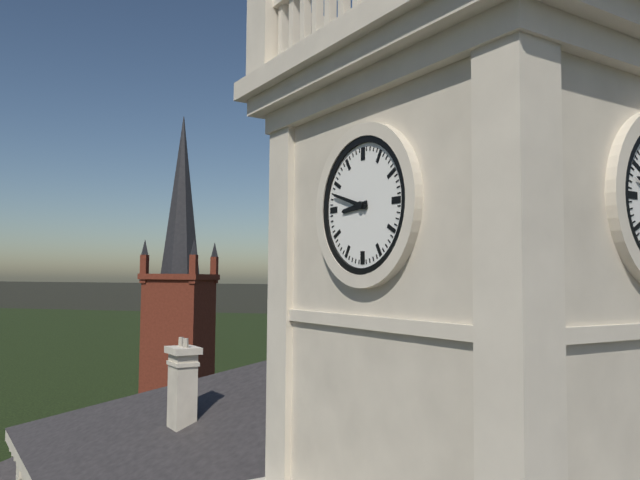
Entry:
h=8 m=48
